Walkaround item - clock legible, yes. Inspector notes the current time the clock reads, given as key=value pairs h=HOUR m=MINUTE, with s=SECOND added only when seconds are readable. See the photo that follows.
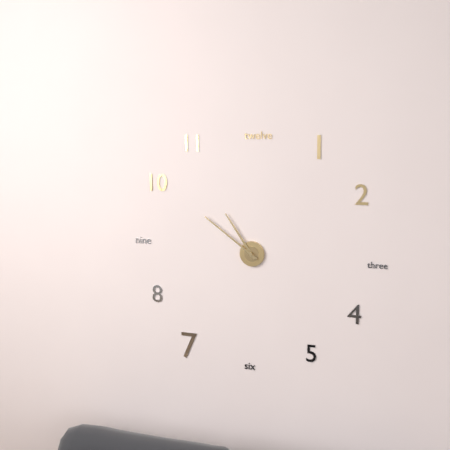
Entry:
h=10 m=51
